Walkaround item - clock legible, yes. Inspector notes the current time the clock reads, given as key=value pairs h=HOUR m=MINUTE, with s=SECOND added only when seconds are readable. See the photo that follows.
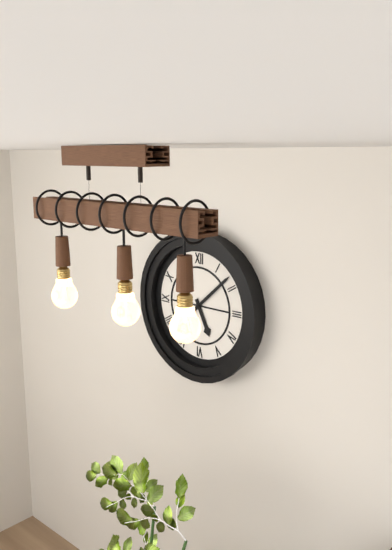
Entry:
h=5 m=8
